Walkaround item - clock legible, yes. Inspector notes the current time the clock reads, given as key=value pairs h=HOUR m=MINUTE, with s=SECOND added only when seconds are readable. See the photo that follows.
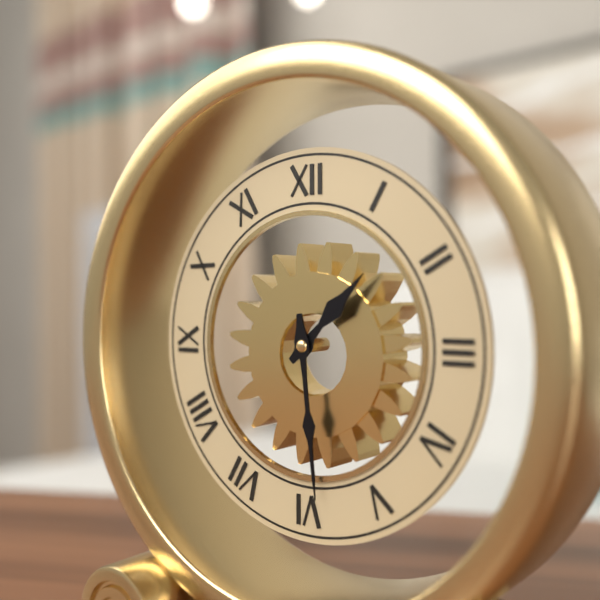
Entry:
h=1 m=29
